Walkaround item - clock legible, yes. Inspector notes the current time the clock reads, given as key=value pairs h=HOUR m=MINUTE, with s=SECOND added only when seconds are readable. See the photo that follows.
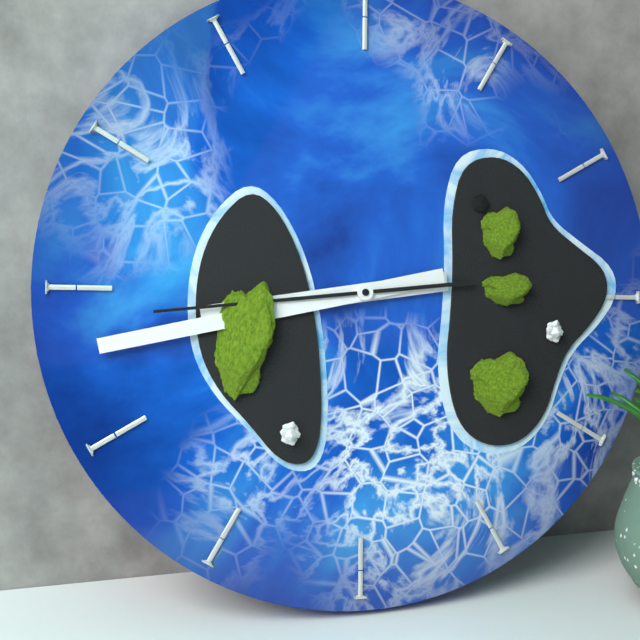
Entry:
h=8 m=43 s=44
